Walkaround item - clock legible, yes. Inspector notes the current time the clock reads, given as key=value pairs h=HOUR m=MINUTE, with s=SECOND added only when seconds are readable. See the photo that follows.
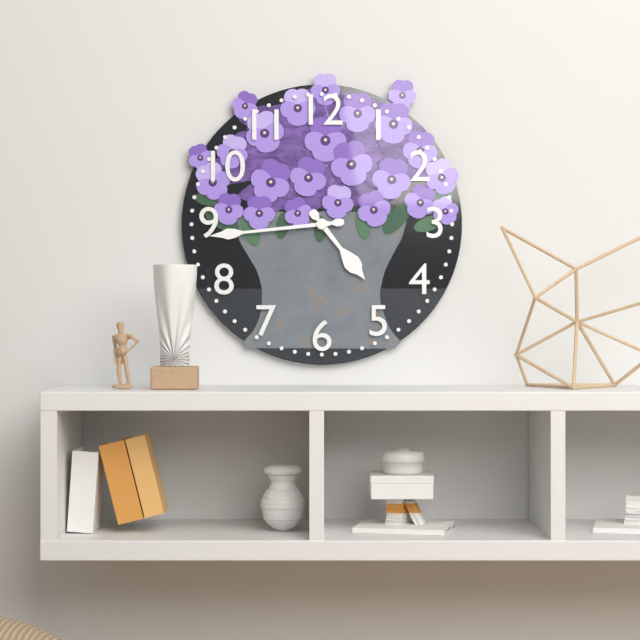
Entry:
h=4 m=44
